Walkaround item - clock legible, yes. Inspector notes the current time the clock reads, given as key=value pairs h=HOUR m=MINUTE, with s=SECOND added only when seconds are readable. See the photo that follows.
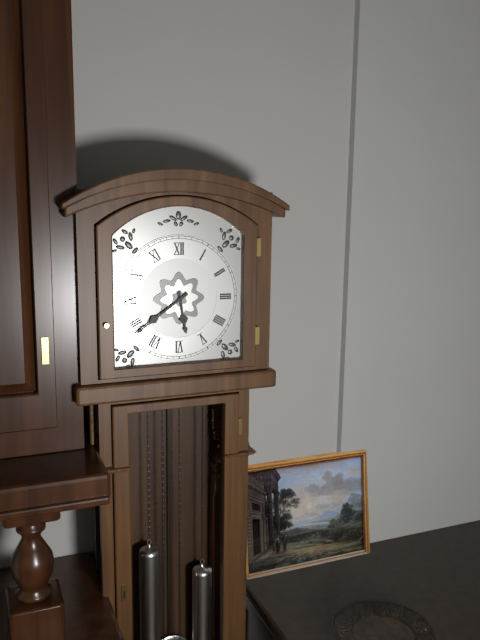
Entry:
h=5 m=39
